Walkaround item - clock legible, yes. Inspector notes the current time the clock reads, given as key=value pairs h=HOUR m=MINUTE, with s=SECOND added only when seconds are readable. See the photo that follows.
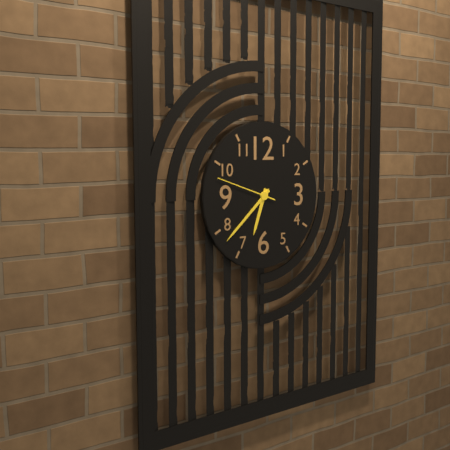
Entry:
h=6 m=38 s=48
